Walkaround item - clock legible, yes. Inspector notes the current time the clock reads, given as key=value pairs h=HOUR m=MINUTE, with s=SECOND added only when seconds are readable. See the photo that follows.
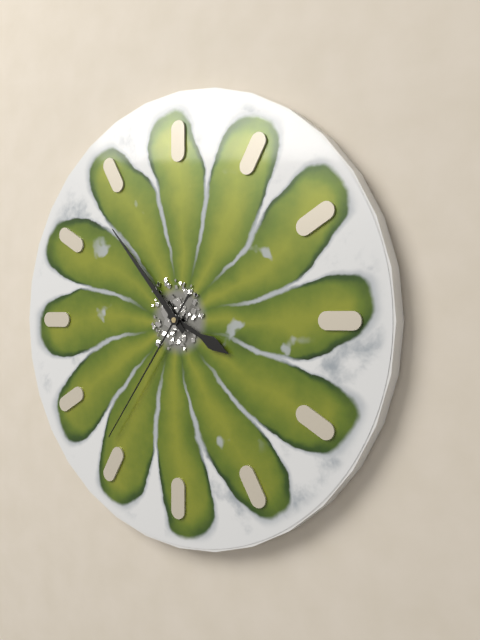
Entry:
h=3 m=53 s=36
